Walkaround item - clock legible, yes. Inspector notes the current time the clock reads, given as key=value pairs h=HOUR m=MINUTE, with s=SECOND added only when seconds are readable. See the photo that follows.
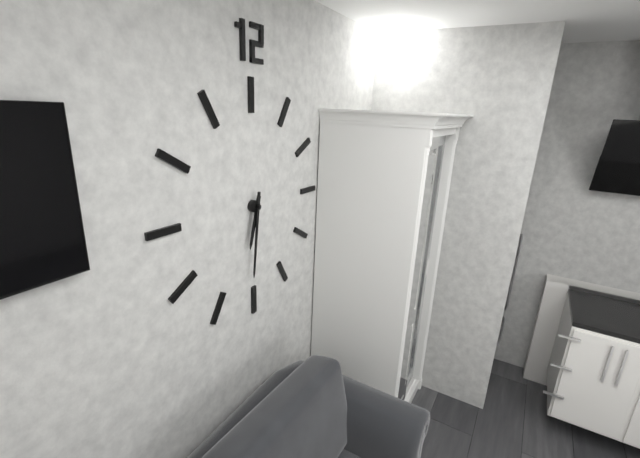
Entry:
h=6 m=31
